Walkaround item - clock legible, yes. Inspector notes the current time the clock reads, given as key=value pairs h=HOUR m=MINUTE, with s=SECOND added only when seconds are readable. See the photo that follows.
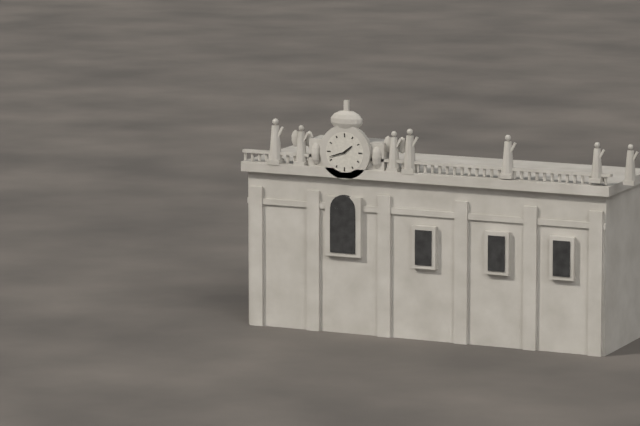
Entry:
h=1 m=42
